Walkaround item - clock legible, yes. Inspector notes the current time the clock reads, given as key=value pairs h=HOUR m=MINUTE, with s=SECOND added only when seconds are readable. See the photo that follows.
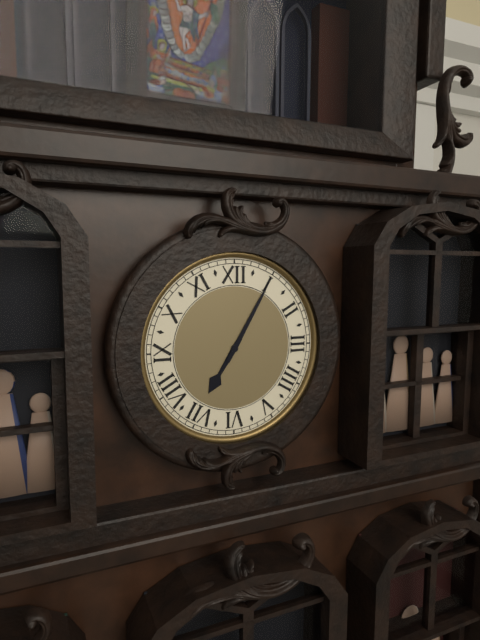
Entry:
h=7 m=5
